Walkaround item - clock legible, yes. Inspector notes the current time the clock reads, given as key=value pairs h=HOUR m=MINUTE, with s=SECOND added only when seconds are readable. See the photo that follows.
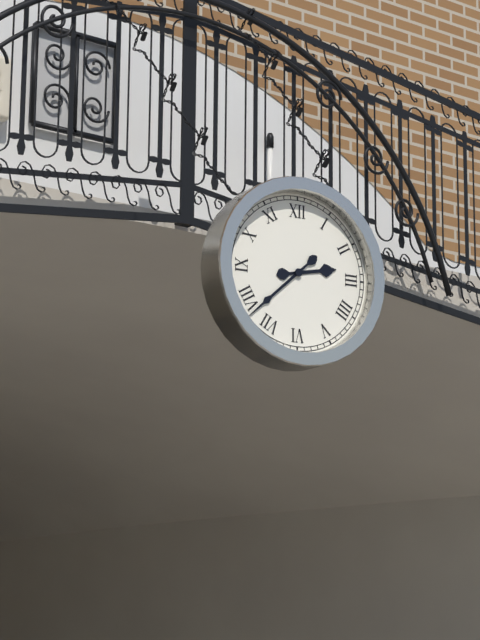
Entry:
h=2 m=38
